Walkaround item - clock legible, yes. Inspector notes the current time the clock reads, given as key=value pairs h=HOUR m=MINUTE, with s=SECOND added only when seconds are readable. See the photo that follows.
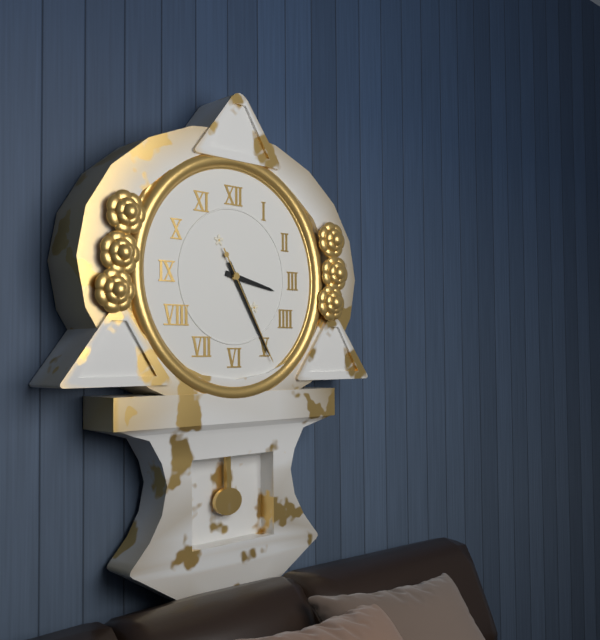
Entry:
h=3 m=25 s=25
